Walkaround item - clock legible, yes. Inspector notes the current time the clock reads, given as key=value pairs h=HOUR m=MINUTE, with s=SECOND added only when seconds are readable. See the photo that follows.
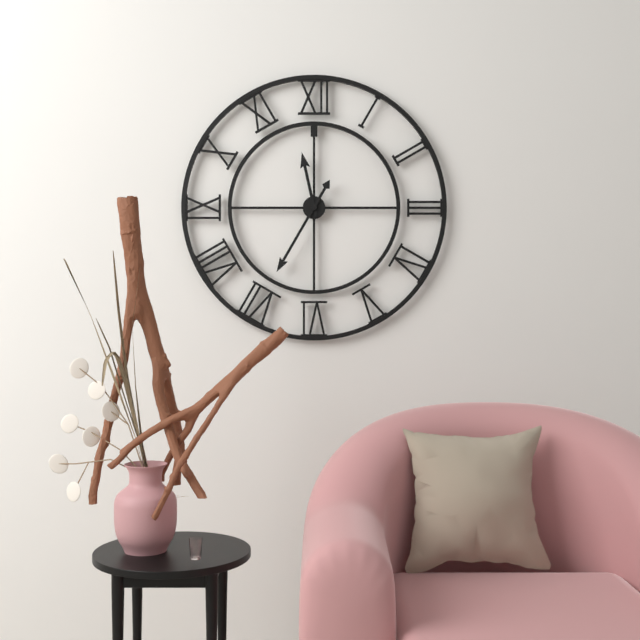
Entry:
h=11 m=35
